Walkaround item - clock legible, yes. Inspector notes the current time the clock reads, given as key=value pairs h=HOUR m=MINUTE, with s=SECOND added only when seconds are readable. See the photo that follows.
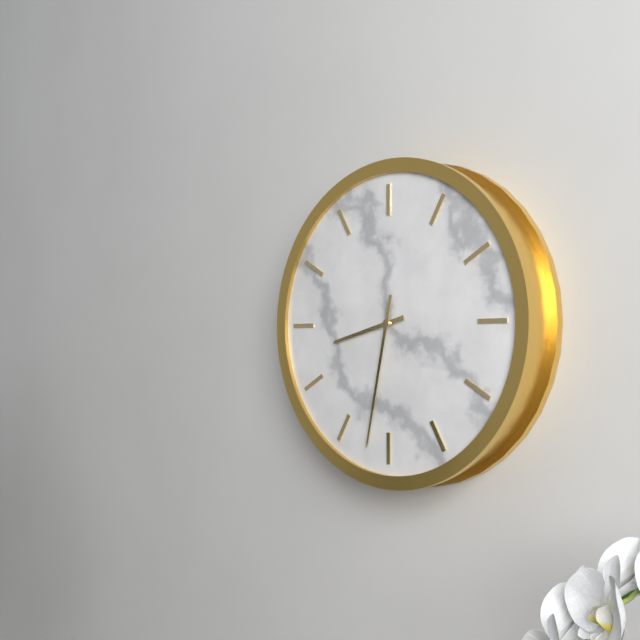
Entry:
h=8 m=32
